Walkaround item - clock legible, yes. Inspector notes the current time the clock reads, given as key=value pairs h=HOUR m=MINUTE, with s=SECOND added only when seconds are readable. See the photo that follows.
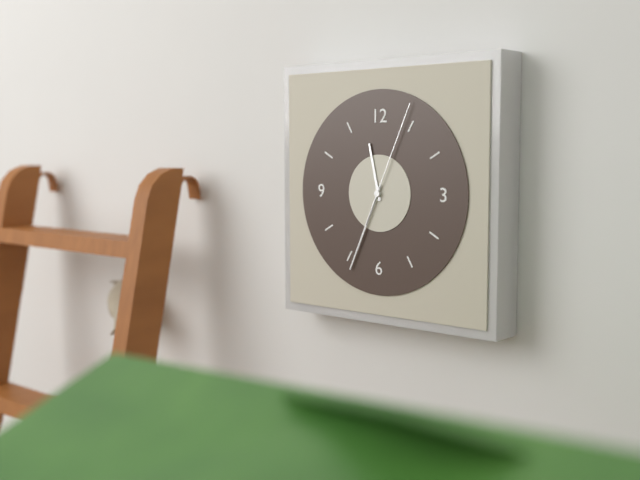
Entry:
h=11 m=34 s=4
